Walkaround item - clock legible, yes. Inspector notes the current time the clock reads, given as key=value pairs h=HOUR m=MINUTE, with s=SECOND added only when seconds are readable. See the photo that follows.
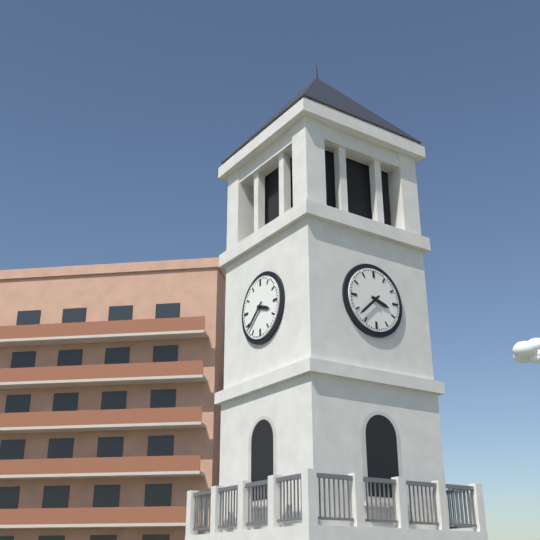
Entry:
h=3 m=38
